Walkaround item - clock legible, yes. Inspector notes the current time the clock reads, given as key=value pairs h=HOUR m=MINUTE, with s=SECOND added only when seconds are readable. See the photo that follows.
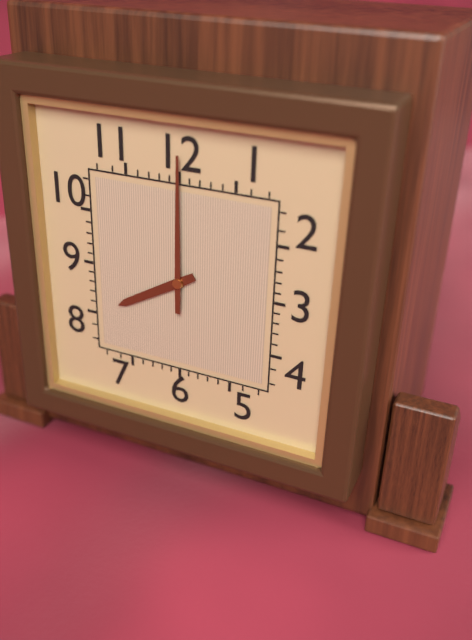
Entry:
h=8 m=0
